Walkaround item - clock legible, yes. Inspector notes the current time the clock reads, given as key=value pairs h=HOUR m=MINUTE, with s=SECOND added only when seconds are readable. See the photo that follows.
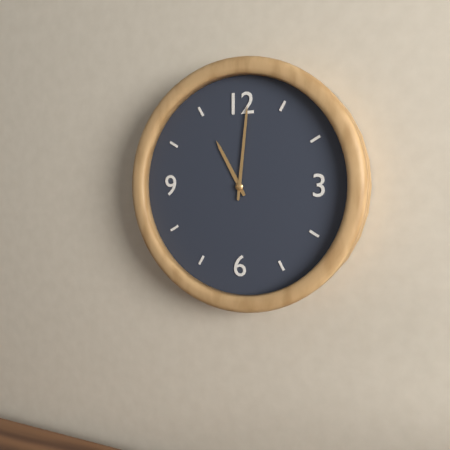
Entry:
h=11 m=1
